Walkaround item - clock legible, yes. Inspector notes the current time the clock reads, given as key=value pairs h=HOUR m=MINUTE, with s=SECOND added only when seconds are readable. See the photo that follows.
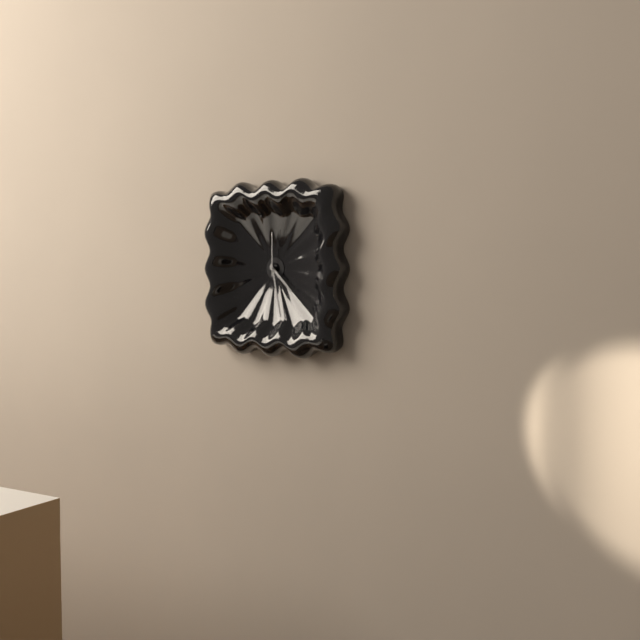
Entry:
h=4 m=28
